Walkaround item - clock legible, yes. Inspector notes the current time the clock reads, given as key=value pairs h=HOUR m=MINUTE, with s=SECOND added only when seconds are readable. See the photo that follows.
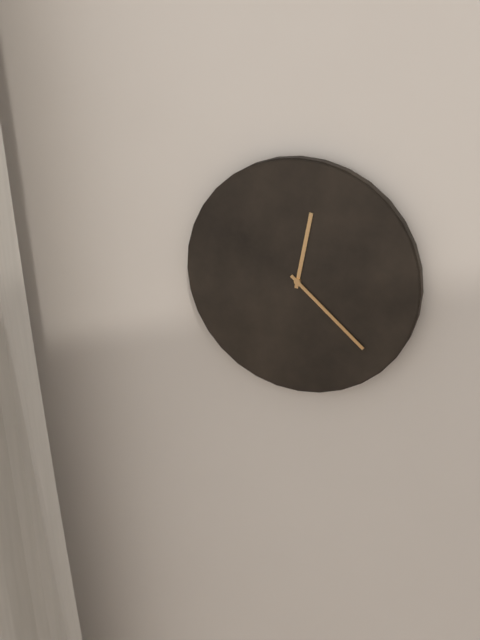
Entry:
h=12 m=22
